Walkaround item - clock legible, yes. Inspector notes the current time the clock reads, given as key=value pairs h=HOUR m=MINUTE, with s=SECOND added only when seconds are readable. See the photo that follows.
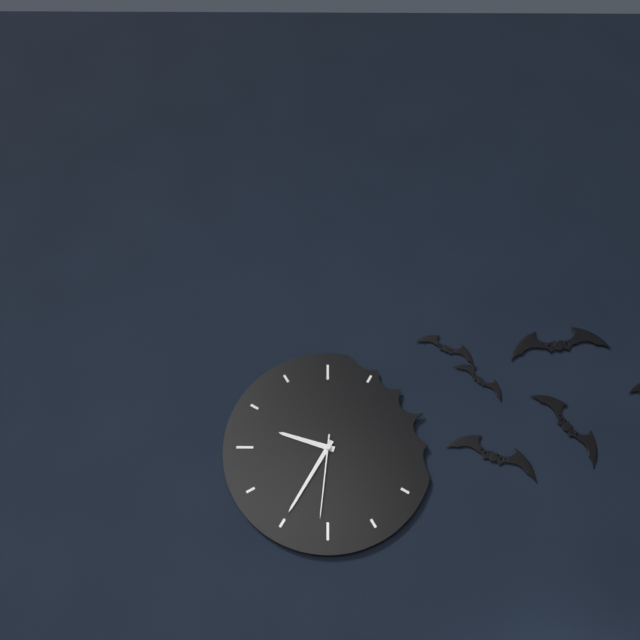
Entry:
h=9 m=35 s=31
